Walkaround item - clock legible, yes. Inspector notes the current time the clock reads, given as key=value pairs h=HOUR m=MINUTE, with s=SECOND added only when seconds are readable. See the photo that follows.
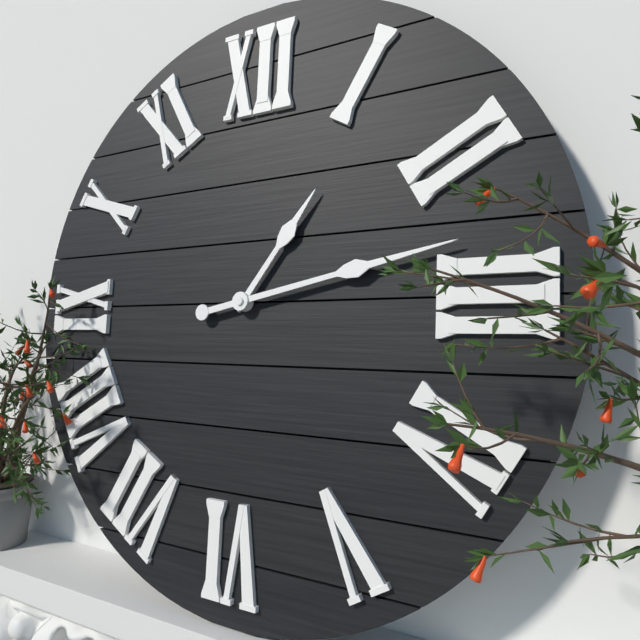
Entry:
h=1 m=13
